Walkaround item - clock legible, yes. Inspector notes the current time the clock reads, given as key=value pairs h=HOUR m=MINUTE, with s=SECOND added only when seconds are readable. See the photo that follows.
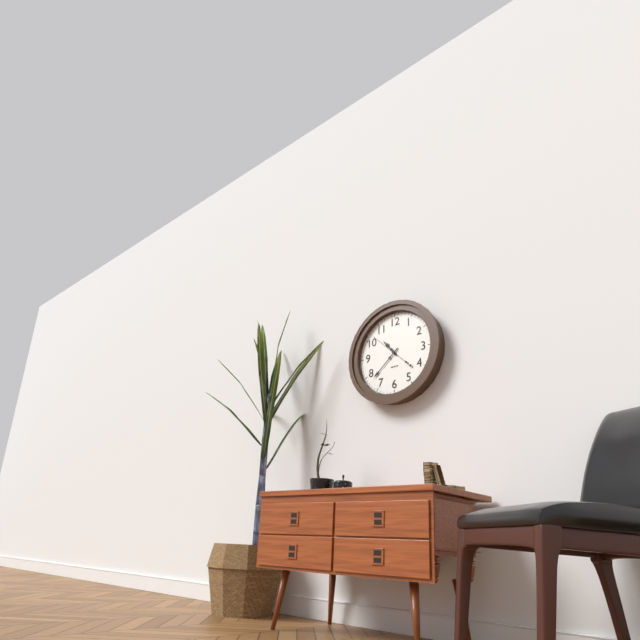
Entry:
h=10 m=38
